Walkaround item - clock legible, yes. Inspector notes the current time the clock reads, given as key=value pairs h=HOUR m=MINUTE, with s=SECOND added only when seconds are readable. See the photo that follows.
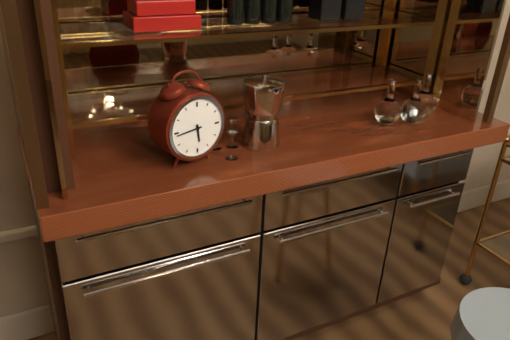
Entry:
h=5 m=44
